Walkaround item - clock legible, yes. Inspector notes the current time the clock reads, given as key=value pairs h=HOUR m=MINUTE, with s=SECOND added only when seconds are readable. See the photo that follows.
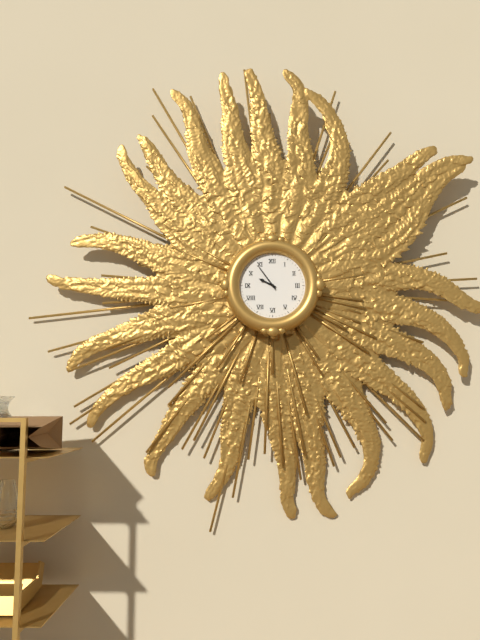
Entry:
h=9 m=54
